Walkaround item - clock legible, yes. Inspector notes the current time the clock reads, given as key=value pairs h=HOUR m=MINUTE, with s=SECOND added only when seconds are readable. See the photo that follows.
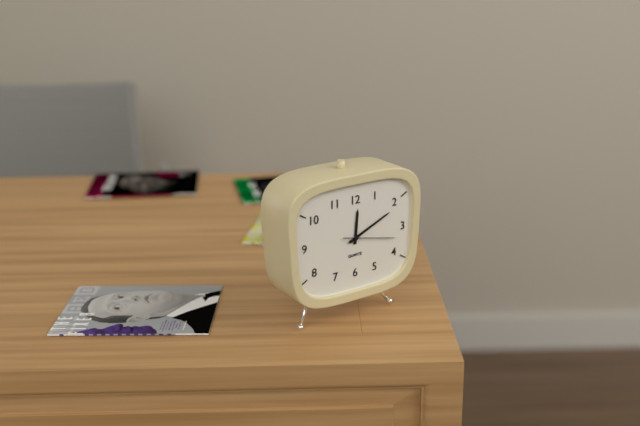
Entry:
h=12 m=11
